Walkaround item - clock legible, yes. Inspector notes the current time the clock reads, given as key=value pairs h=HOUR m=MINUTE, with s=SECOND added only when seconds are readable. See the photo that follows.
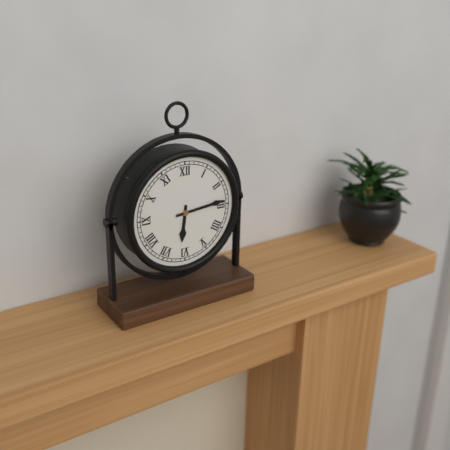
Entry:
h=6 m=14
